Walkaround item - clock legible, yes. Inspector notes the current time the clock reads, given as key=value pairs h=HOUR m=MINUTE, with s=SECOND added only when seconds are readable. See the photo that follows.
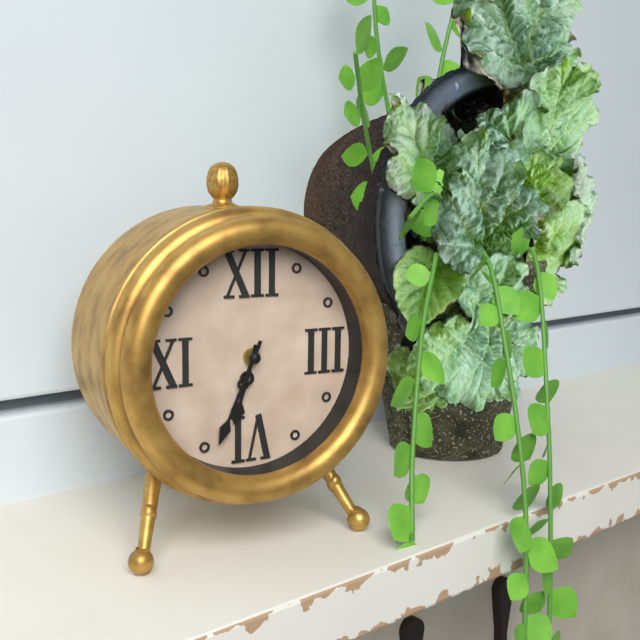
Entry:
h=6 m=34
